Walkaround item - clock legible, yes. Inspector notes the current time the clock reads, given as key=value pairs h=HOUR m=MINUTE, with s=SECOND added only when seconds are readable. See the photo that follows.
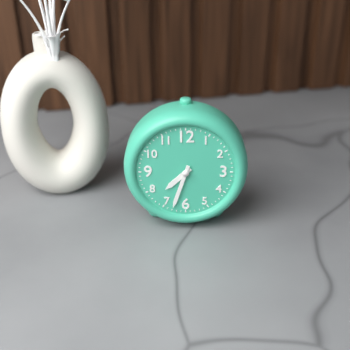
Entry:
h=7 m=33
